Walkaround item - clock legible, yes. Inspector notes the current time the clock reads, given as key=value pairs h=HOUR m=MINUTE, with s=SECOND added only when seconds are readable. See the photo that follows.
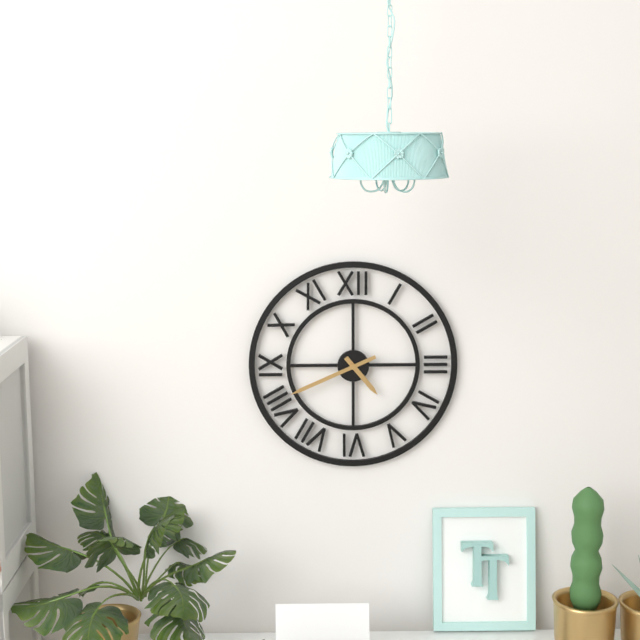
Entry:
h=4 m=41
